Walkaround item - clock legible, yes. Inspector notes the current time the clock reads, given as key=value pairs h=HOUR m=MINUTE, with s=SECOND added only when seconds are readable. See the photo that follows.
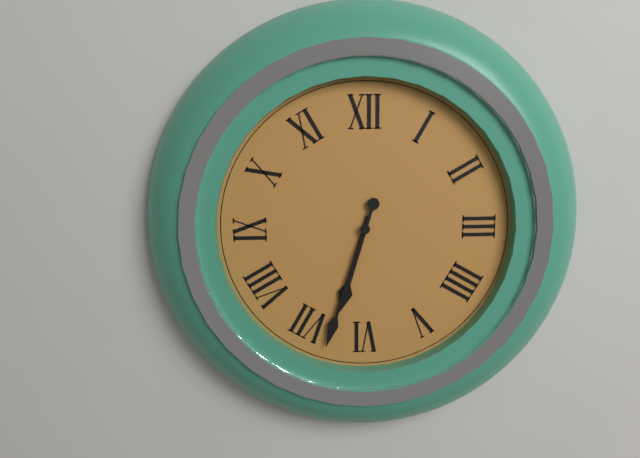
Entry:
h=6 m=33
